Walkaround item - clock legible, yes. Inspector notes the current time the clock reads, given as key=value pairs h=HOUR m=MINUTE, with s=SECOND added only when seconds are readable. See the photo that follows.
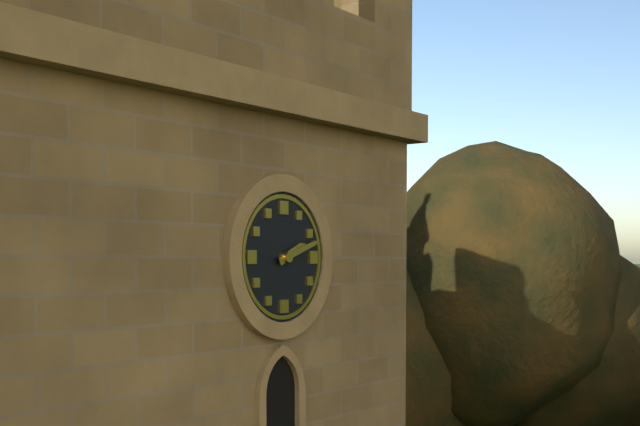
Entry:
h=2 m=12
